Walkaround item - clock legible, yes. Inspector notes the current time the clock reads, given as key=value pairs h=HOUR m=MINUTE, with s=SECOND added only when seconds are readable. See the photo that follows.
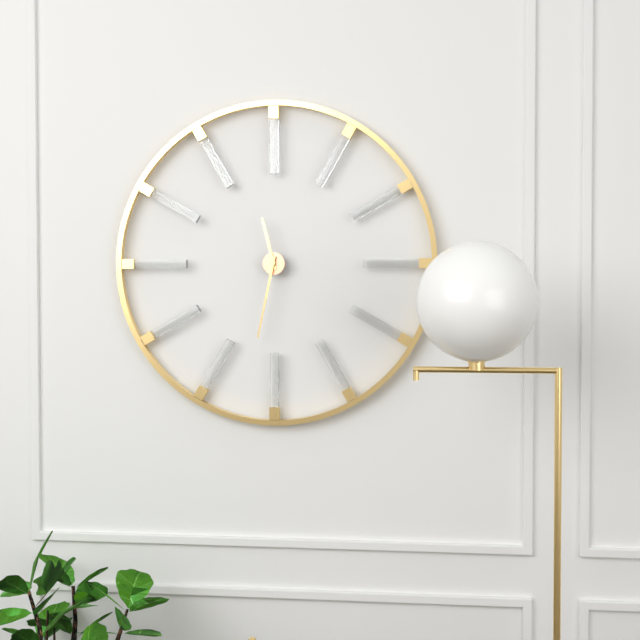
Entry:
h=11 m=32
